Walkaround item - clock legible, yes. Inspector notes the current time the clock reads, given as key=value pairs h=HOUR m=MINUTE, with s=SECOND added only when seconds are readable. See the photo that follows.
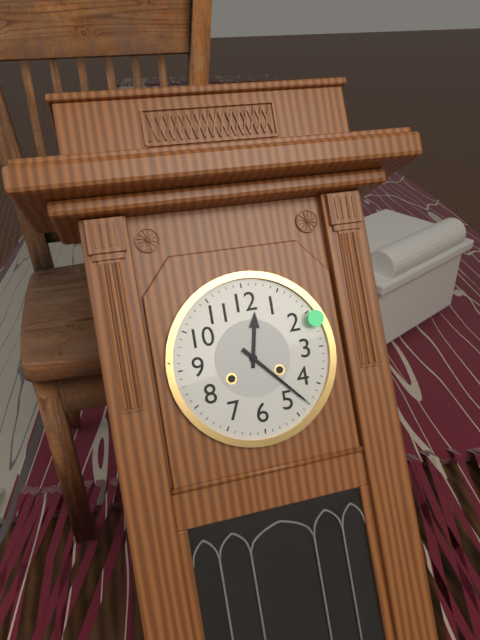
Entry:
h=12 m=23
